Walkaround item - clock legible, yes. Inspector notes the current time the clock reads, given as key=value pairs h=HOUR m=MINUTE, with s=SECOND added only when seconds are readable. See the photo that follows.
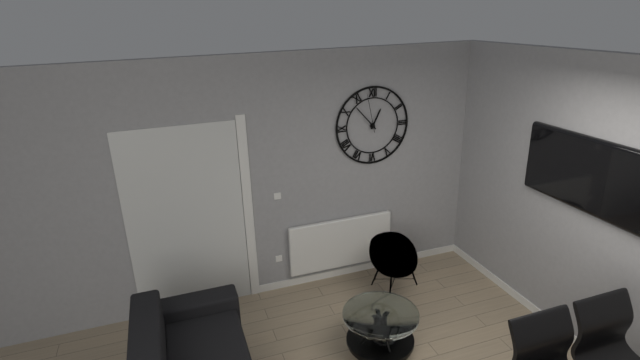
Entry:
h=12 m=53
